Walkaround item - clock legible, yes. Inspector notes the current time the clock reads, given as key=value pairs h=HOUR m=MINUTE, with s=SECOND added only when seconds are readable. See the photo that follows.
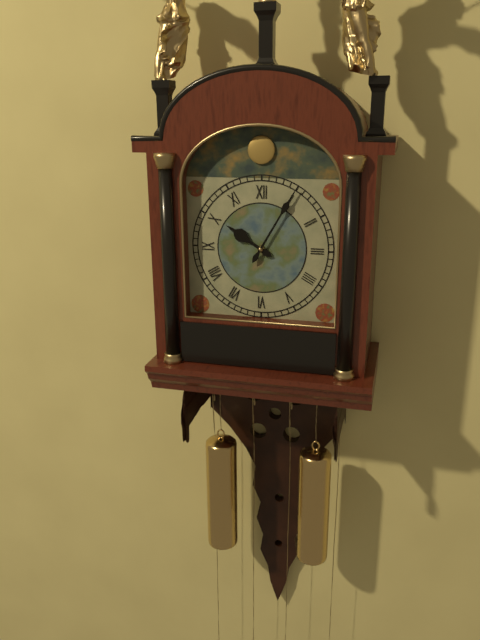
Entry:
h=10 m=5
